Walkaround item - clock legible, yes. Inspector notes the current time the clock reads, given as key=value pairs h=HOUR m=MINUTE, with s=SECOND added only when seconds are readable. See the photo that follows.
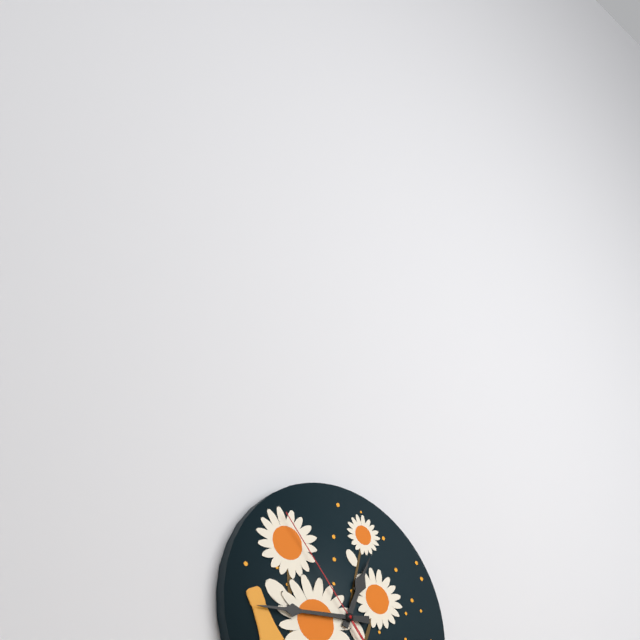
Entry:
h=12 m=44 s=53
